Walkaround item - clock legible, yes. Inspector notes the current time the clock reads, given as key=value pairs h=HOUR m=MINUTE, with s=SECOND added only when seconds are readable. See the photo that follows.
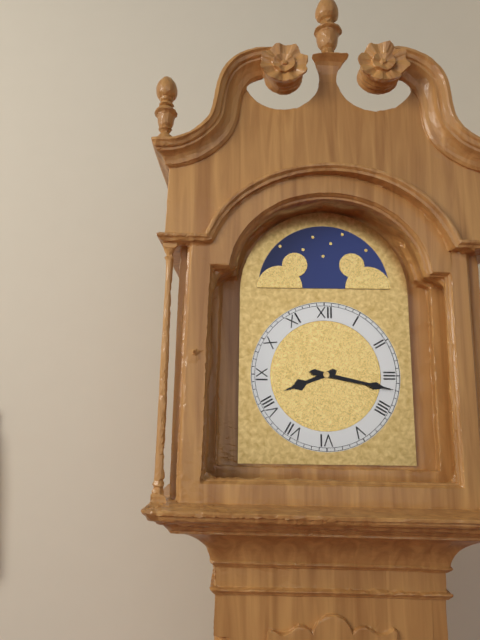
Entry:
h=8 m=17
